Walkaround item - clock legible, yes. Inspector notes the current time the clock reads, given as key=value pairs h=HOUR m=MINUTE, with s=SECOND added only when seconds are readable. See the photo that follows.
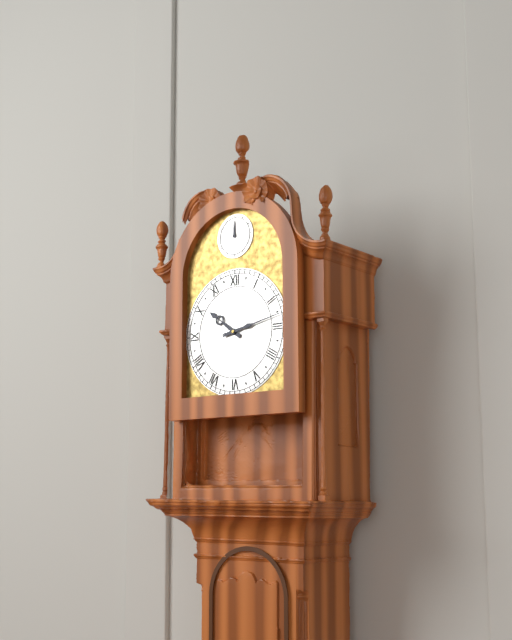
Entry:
h=10 m=13
